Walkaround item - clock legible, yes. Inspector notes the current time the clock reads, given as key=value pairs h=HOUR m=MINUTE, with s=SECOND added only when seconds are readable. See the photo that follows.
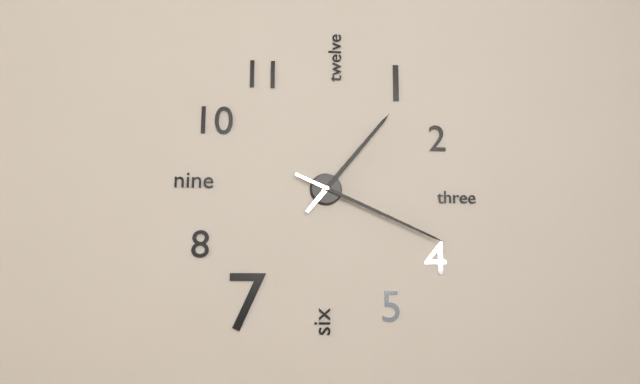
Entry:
h=1 m=19
